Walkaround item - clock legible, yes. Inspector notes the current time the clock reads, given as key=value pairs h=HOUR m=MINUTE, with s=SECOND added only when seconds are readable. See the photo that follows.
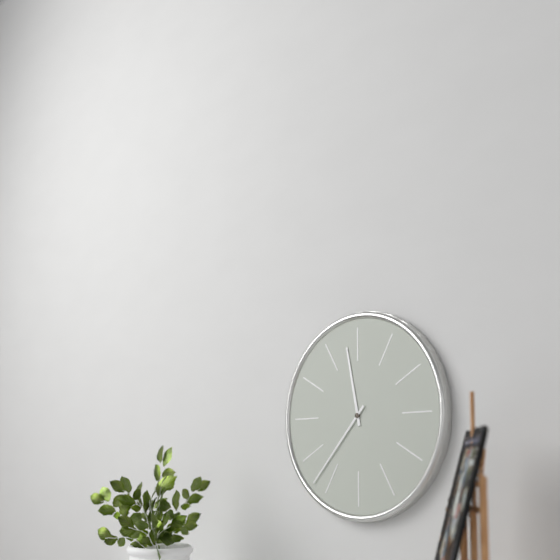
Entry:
h=11 m=37
